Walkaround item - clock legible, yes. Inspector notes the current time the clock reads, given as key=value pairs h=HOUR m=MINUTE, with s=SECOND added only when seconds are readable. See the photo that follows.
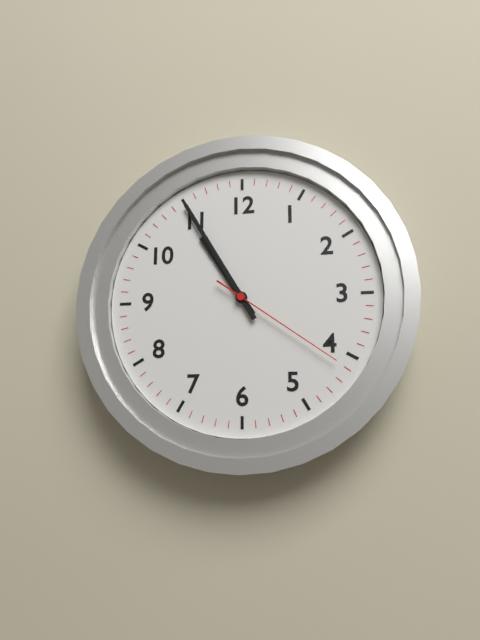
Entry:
h=10 m=55 s=21
